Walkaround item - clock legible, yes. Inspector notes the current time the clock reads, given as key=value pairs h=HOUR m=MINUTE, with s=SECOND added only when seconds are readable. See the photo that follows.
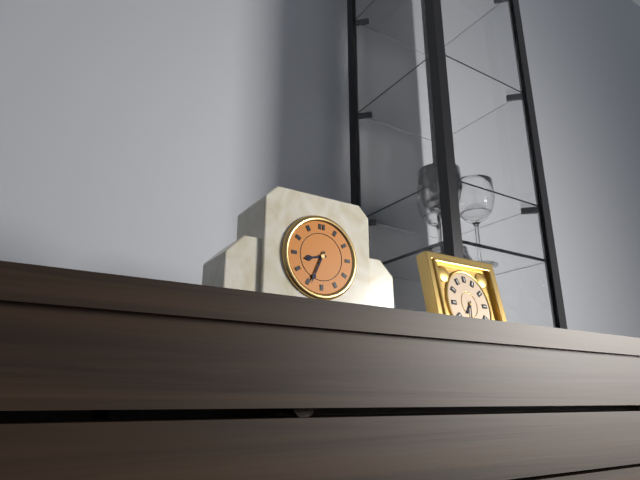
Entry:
h=8 m=34
